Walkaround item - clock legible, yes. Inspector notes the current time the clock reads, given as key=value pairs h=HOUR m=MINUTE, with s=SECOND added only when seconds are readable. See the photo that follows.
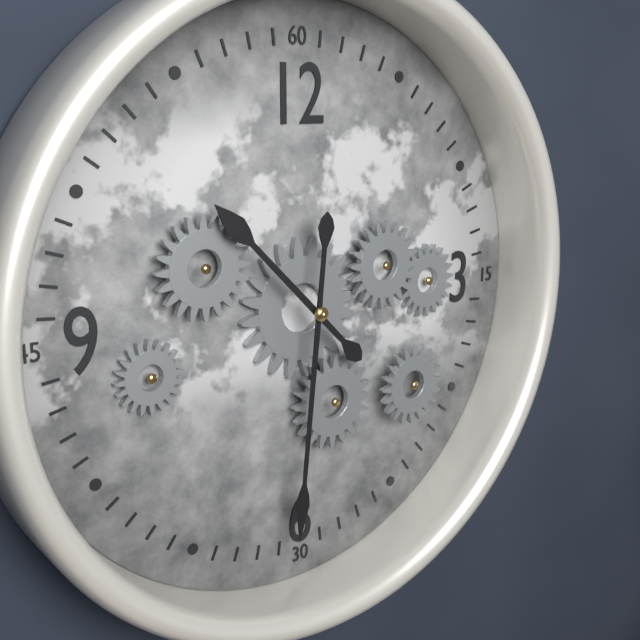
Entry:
h=10 m=31
